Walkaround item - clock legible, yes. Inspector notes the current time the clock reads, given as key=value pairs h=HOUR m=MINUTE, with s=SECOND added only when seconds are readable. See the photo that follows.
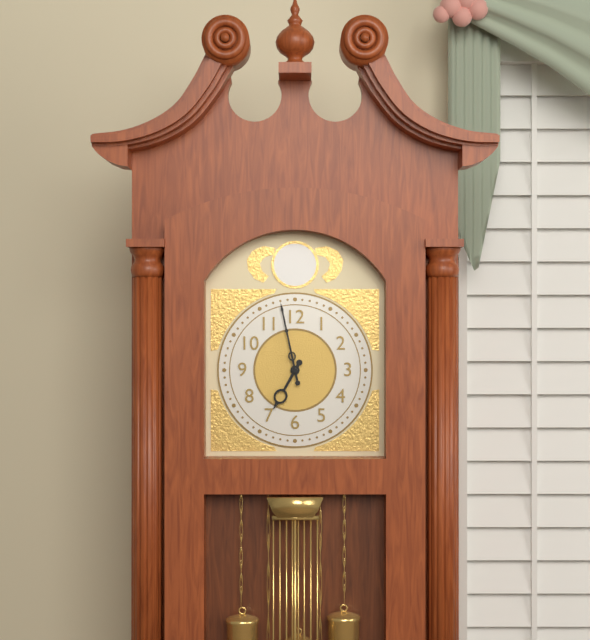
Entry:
h=6 m=58
